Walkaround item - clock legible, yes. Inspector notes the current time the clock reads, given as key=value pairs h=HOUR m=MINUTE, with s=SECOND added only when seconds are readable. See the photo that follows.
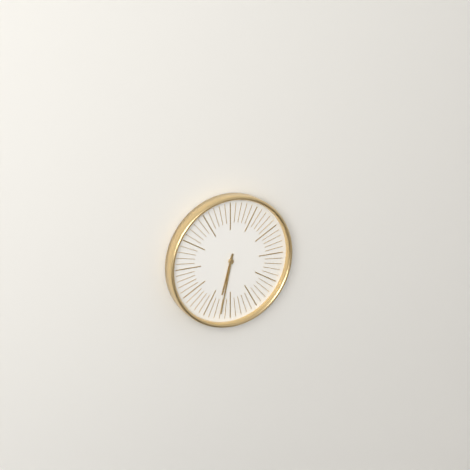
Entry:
h=6 m=32
